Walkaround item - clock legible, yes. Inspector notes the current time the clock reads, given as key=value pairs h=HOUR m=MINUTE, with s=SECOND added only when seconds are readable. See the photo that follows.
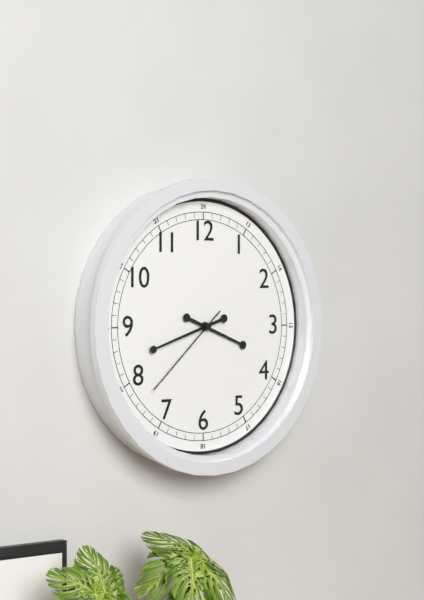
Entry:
h=3 m=42 s=38
